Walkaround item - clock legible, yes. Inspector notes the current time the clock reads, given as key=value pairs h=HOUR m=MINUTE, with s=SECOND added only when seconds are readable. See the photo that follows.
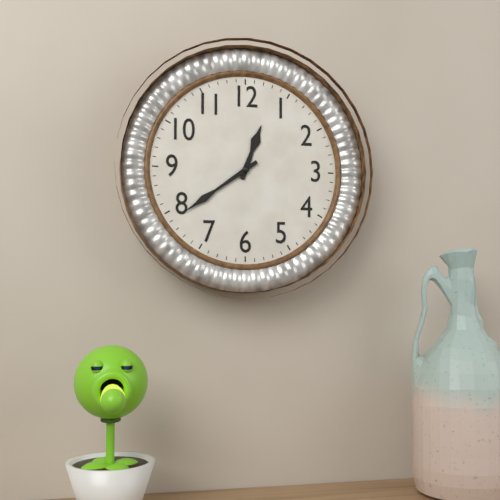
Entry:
h=12 m=39
